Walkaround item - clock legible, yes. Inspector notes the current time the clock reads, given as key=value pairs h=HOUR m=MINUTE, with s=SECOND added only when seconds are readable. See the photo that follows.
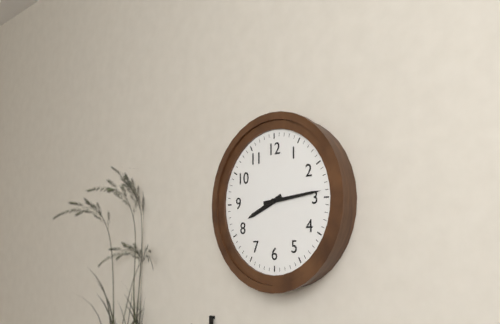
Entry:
h=8 m=14
